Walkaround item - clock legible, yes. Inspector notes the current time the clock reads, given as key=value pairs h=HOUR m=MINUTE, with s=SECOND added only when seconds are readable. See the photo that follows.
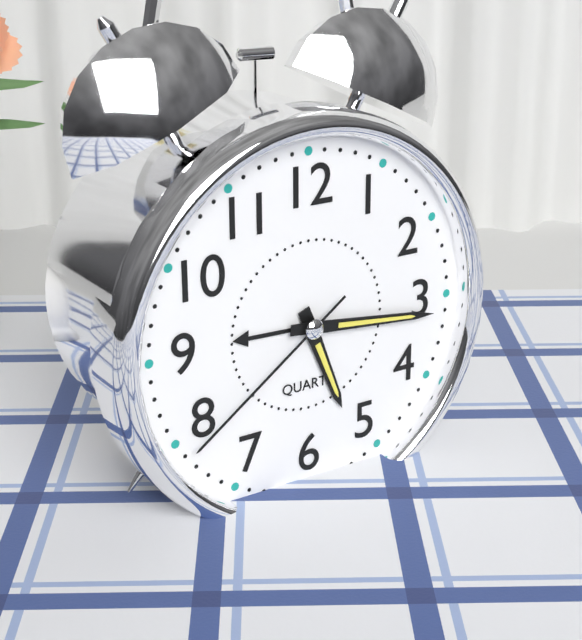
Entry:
h=5 m=16 s=39
